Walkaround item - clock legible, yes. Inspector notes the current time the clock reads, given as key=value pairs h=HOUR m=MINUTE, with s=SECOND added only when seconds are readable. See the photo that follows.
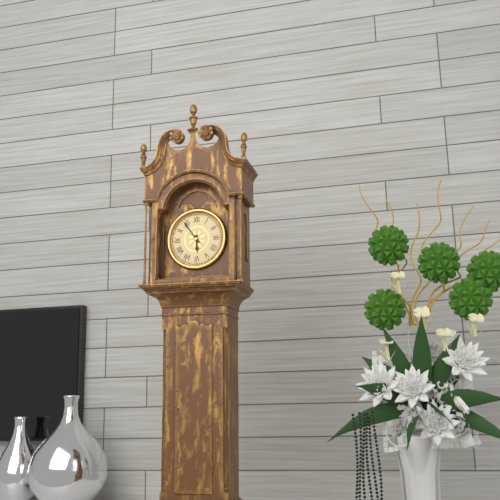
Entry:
h=5 m=54
